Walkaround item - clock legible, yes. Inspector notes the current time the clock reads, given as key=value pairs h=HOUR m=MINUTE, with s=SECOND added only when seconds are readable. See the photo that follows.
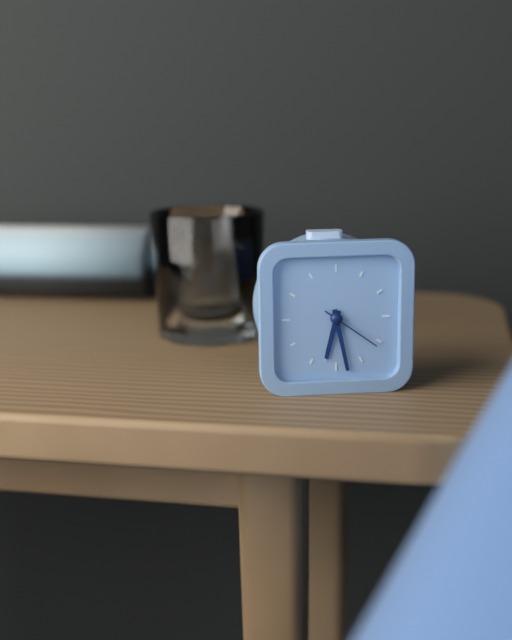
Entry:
h=6 m=28 s=21
